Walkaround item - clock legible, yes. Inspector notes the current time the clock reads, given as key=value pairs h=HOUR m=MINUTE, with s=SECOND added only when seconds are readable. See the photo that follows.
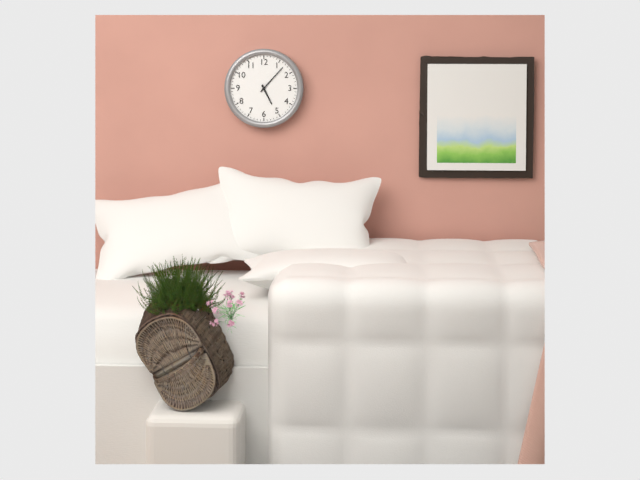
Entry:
h=5 m=7
